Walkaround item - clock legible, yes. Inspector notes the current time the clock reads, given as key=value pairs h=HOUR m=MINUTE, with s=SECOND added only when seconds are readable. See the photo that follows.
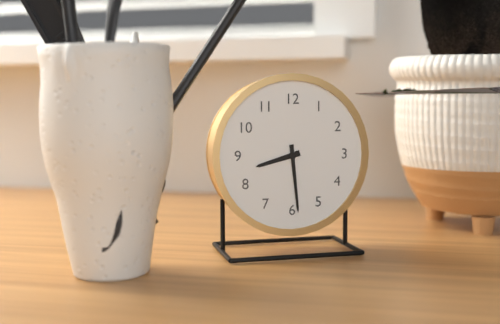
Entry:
h=8 m=29
